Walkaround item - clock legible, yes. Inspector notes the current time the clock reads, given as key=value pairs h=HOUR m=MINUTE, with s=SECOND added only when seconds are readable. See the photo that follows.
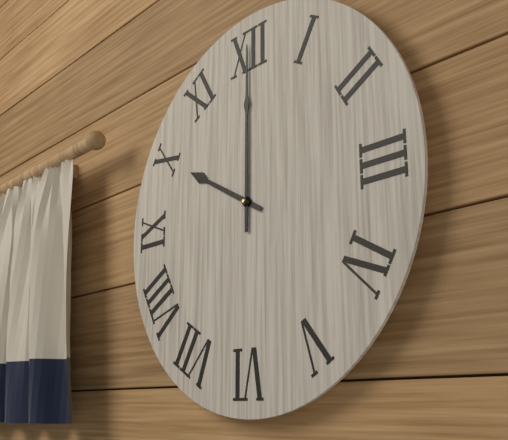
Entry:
h=10 m=0
